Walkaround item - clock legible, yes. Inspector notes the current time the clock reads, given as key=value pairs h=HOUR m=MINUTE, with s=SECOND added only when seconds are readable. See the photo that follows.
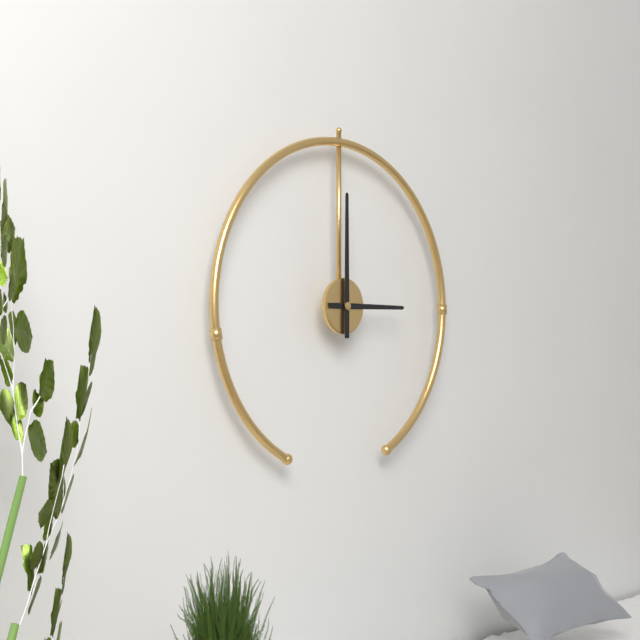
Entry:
h=3 m=0
